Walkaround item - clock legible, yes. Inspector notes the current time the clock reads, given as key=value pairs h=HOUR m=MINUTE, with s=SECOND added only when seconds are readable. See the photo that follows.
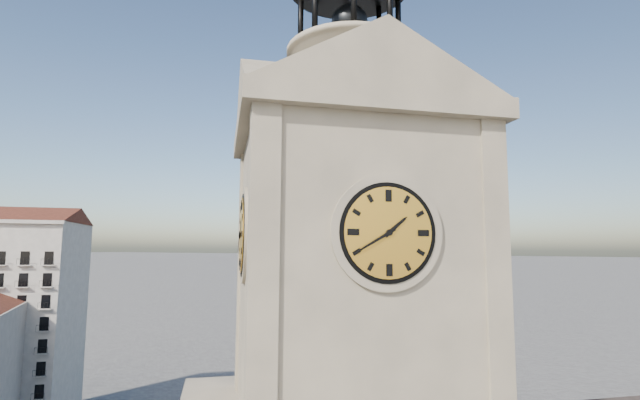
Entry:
h=1 m=40
